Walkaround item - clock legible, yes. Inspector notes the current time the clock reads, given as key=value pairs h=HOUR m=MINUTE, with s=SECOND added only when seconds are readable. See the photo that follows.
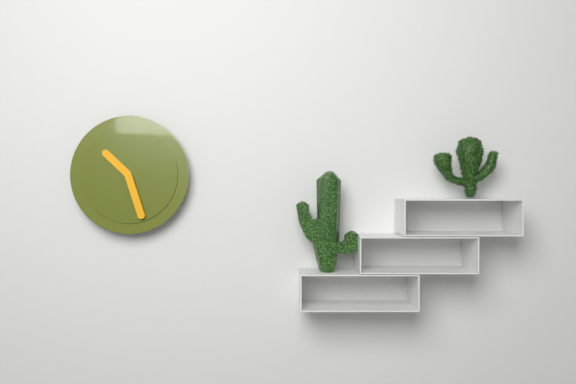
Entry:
h=10 m=27
